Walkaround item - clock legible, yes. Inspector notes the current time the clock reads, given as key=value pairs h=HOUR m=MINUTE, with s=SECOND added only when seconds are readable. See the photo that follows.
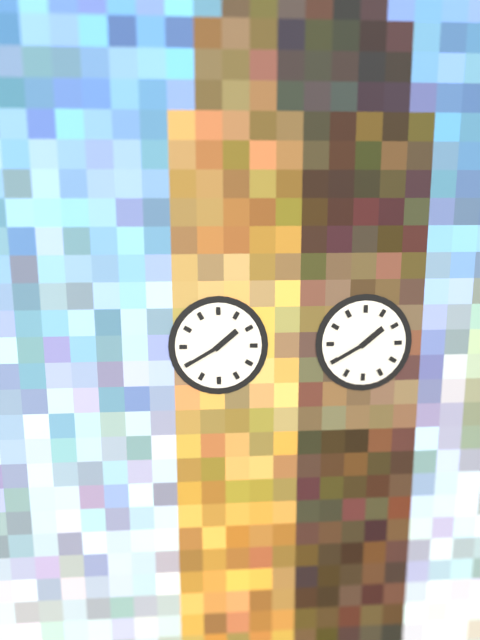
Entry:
h=1 m=40
